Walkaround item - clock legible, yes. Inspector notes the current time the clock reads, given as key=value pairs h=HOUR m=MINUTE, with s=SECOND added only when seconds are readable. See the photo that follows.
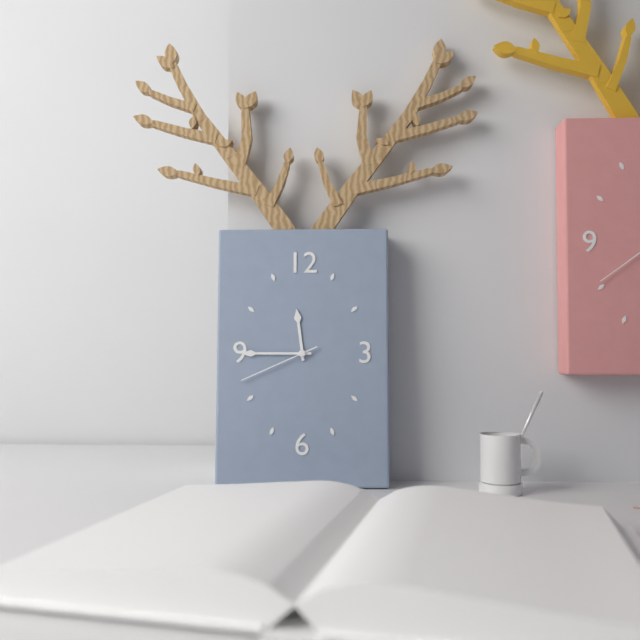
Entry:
h=11 m=45 s=41
